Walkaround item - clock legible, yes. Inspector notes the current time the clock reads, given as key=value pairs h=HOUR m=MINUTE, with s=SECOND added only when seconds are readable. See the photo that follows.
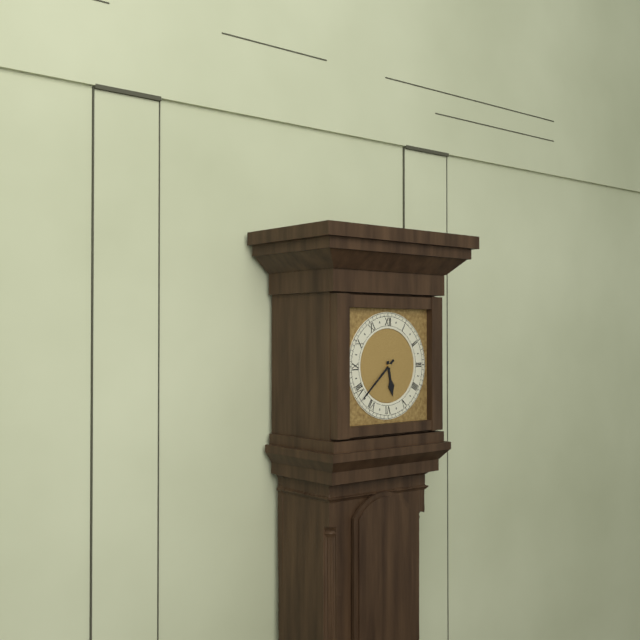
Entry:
h=5 m=38
